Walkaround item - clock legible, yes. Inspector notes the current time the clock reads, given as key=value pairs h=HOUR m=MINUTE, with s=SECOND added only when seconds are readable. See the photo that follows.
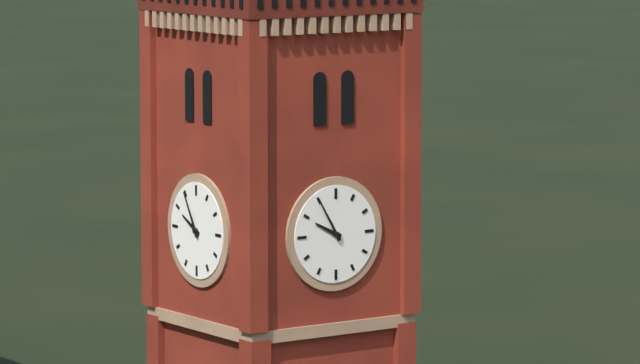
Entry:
h=9 m=55
